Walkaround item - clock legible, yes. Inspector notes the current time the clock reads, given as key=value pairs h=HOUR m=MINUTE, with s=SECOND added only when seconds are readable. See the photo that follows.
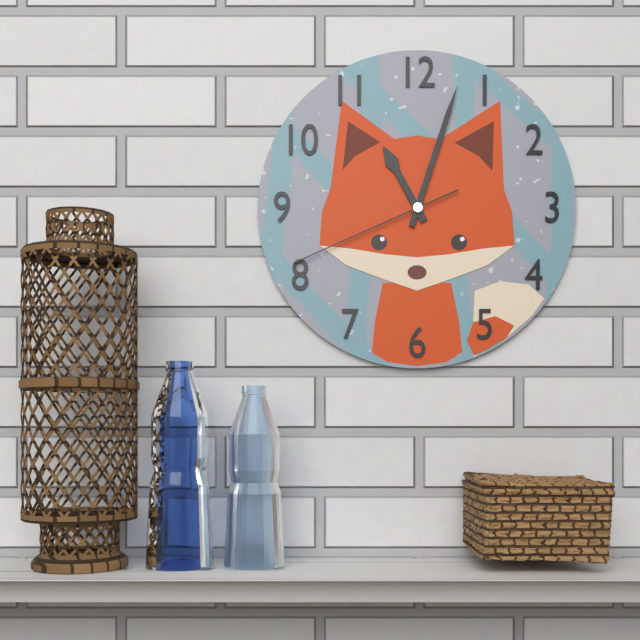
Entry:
h=11 m=3 s=41
